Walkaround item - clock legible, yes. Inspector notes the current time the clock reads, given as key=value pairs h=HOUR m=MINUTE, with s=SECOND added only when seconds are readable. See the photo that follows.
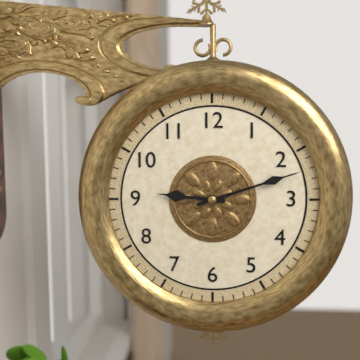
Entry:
h=9 m=12
